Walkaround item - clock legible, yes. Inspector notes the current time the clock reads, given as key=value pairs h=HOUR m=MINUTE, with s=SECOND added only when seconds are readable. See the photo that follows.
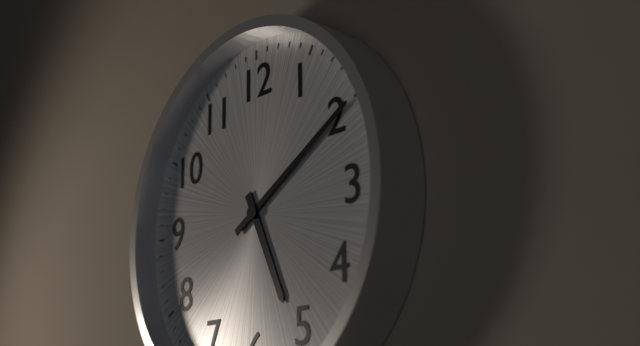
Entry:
h=5 m=10
